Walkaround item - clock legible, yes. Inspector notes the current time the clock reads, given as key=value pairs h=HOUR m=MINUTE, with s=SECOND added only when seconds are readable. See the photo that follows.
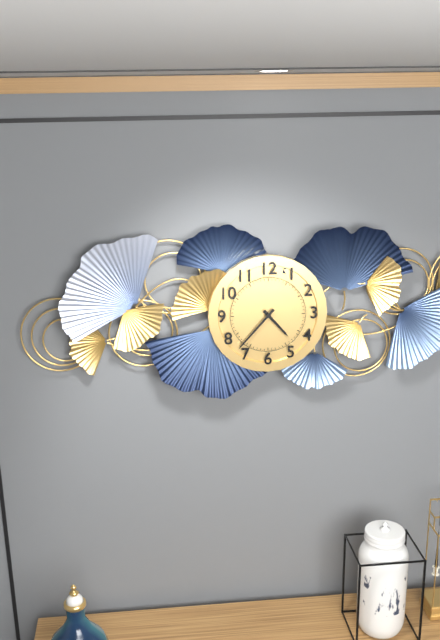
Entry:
h=4 m=37
